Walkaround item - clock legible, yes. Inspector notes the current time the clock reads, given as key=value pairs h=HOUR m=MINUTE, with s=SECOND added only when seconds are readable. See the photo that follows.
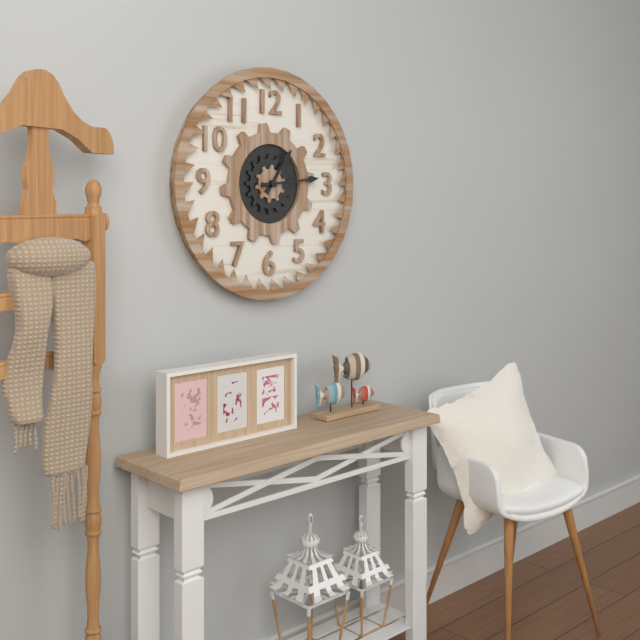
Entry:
h=1 m=14
